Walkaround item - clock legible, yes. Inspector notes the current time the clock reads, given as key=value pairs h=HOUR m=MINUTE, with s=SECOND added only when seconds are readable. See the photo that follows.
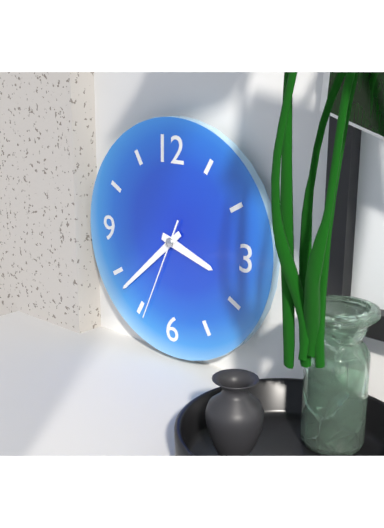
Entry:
h=3 m=38 s=34
